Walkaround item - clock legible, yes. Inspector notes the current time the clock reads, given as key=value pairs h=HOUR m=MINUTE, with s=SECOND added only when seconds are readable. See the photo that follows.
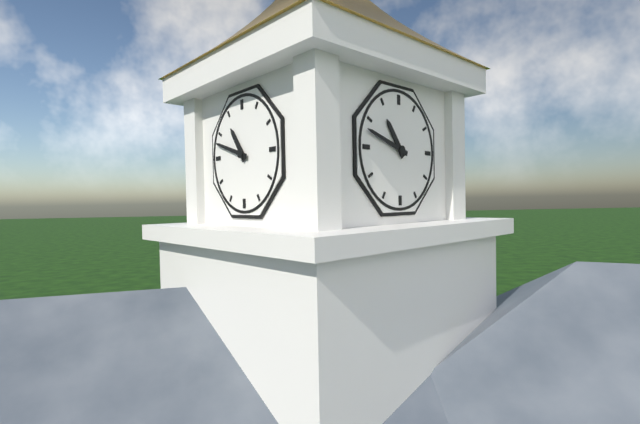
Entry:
h=10 m=48
